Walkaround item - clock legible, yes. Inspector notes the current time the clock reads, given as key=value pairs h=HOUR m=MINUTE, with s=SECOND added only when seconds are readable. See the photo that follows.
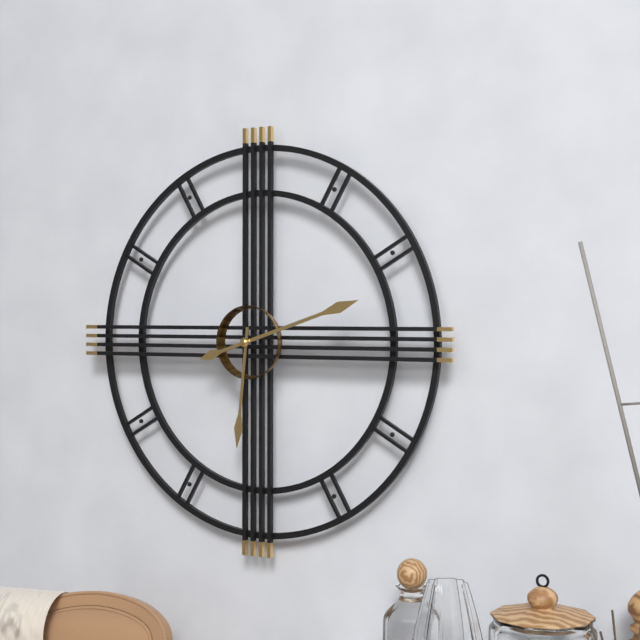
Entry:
h=6 m=12
